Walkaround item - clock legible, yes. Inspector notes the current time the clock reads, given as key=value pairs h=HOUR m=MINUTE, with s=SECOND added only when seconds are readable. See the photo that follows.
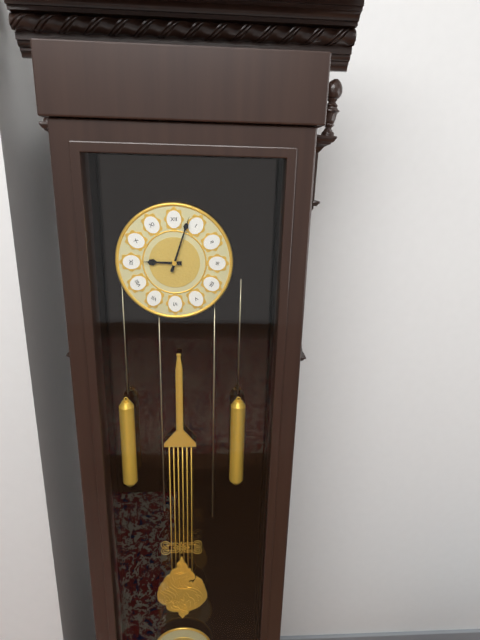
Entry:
h=9 m=3
